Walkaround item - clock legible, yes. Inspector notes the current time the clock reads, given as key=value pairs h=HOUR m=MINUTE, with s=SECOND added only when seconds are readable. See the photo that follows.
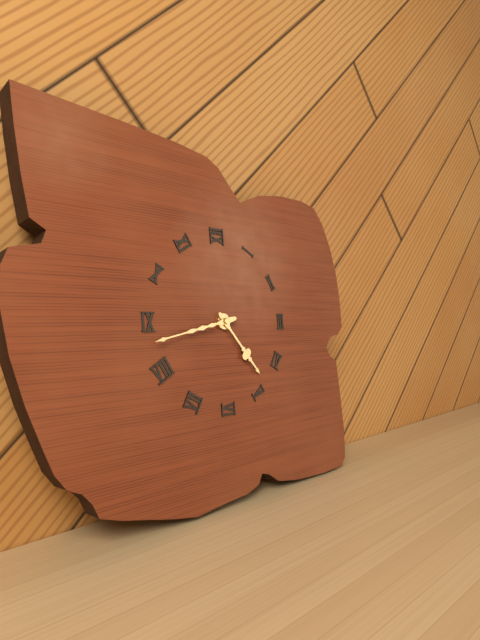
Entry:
h=4 m=43
